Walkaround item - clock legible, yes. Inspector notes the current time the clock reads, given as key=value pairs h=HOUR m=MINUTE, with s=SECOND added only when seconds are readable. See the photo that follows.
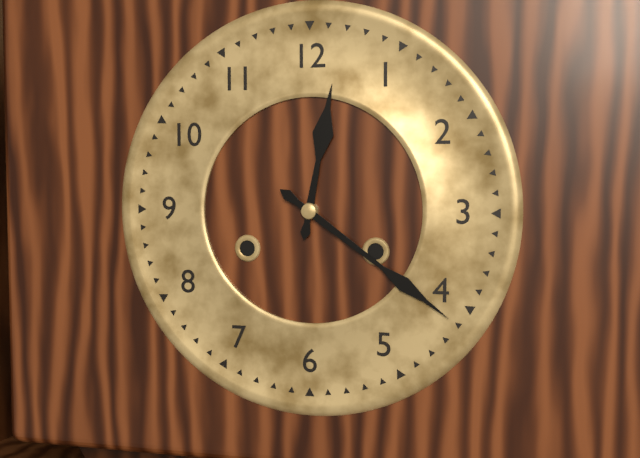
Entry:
h=12 m=21
